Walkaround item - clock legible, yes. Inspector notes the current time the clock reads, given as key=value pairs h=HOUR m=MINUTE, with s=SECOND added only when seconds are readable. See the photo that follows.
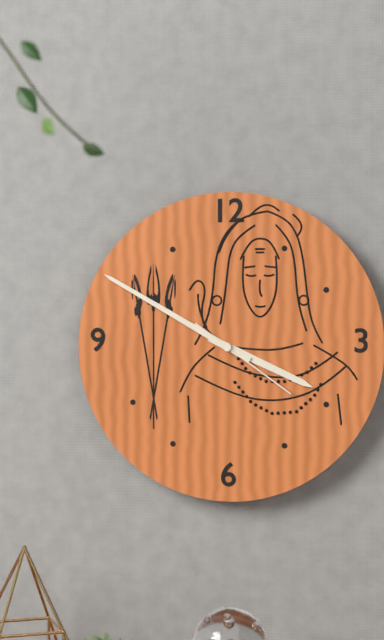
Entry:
h=3 m=50 s=21
